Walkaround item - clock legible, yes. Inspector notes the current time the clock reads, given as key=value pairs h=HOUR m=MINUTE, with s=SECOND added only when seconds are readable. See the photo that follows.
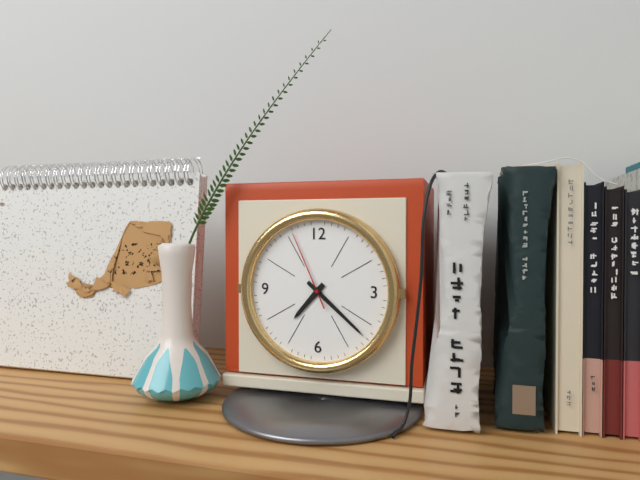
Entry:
h=7 m=22 s=56
